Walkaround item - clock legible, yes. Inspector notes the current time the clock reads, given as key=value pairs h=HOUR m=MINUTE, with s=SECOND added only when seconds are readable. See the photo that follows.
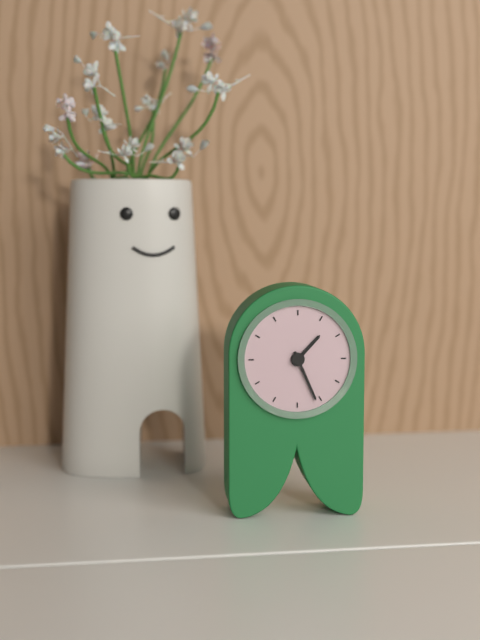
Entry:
h=1 m=26
